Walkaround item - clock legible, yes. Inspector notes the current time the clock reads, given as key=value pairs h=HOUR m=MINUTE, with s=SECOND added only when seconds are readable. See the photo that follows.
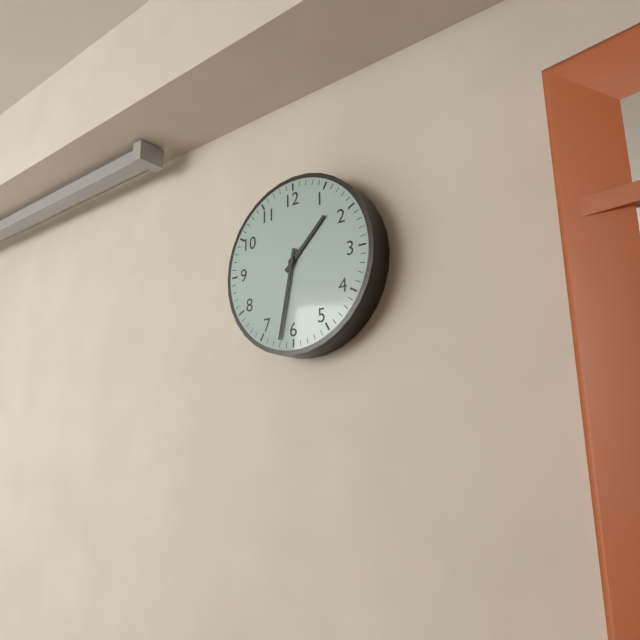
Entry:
h=1 m=32
